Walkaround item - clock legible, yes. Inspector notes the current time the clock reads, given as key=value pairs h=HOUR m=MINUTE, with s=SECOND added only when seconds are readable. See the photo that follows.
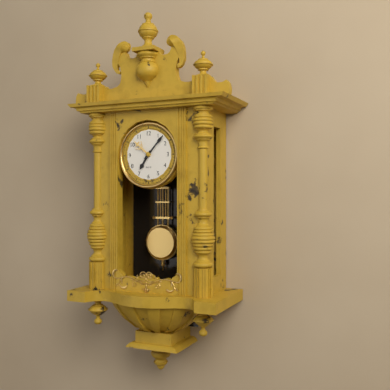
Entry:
h=7 m=7
